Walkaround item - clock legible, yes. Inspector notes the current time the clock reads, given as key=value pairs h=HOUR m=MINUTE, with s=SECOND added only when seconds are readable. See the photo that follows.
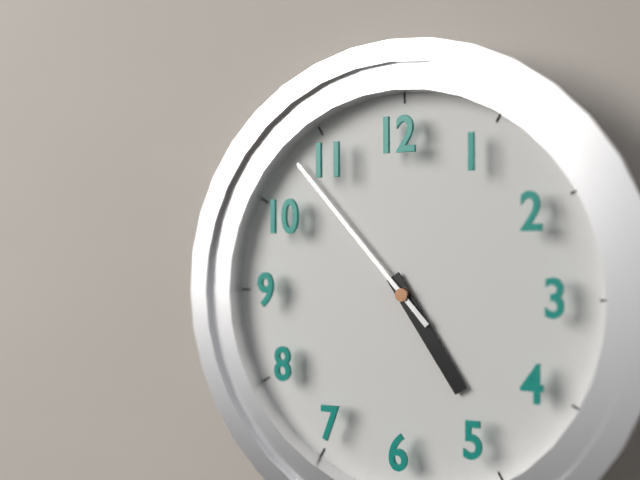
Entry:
h=4 m=53
